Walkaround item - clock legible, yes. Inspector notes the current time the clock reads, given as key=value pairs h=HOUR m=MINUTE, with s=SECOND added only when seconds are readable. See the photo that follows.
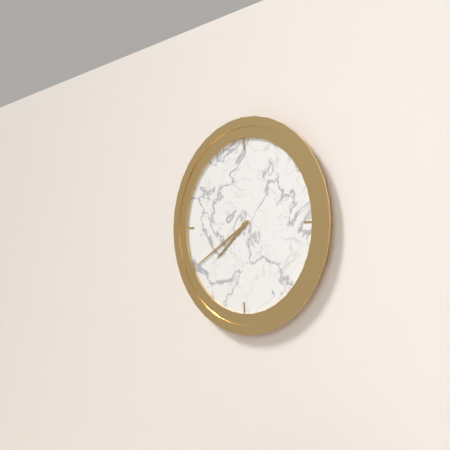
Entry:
h=7 m=40
